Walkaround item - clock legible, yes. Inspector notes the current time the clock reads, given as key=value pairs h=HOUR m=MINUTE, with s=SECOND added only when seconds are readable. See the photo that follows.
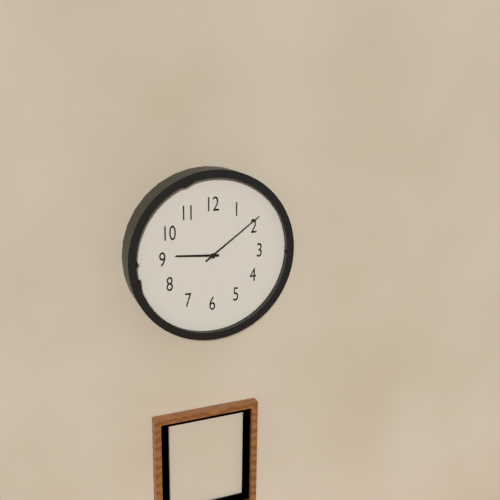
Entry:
h=9 m=9
